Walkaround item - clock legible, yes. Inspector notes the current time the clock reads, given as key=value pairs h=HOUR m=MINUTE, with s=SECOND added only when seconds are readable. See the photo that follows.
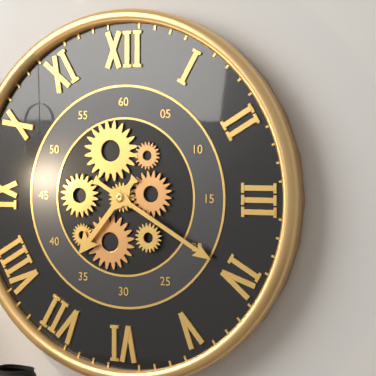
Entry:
h=7 m=20
